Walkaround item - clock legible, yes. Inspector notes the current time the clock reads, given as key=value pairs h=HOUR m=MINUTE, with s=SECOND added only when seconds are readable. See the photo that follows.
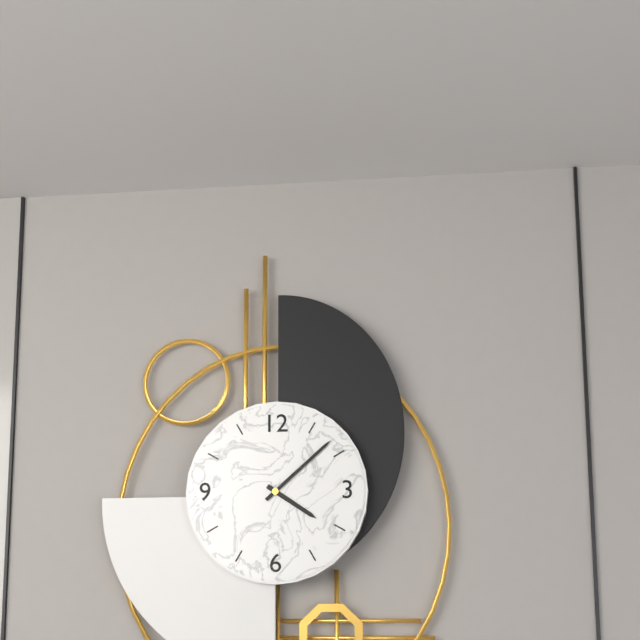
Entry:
h=4 m=8
